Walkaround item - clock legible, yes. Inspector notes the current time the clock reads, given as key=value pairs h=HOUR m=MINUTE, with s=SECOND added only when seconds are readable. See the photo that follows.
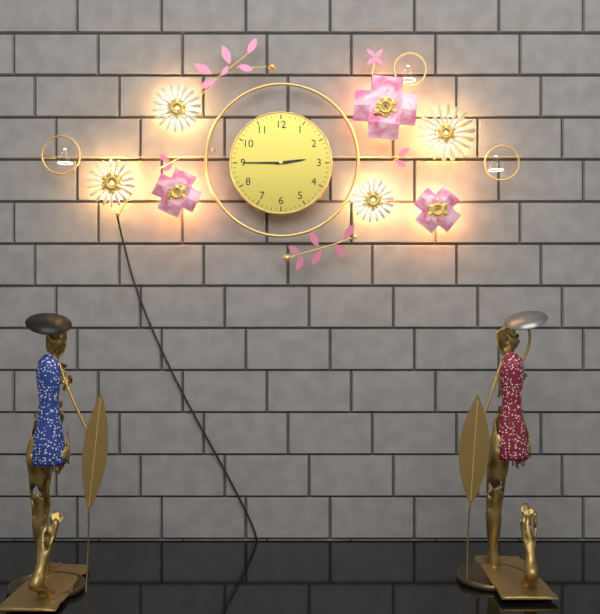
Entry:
h=2 m=45
